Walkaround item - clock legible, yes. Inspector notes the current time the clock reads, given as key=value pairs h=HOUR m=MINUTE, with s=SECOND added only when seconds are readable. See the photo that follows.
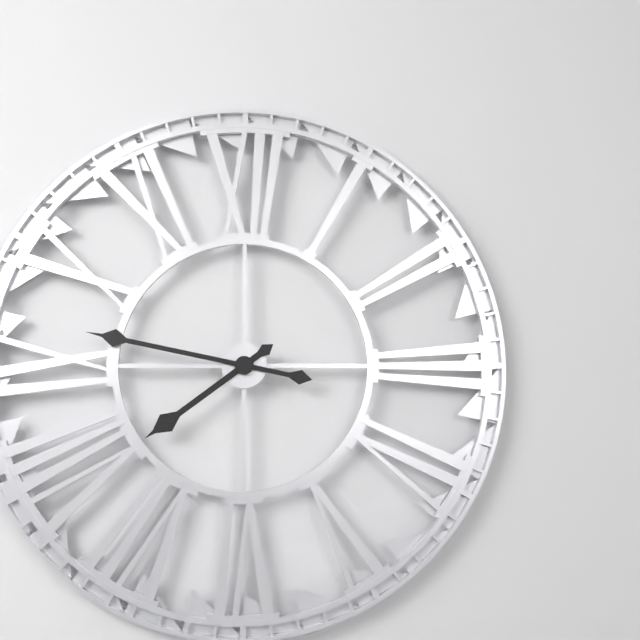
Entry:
h=7 m=47
